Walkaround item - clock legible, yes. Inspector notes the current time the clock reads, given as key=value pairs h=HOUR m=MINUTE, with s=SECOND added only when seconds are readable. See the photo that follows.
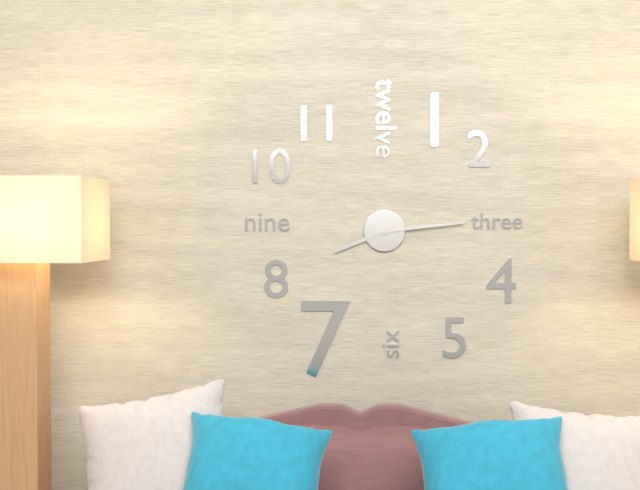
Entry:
h=8 m=14
